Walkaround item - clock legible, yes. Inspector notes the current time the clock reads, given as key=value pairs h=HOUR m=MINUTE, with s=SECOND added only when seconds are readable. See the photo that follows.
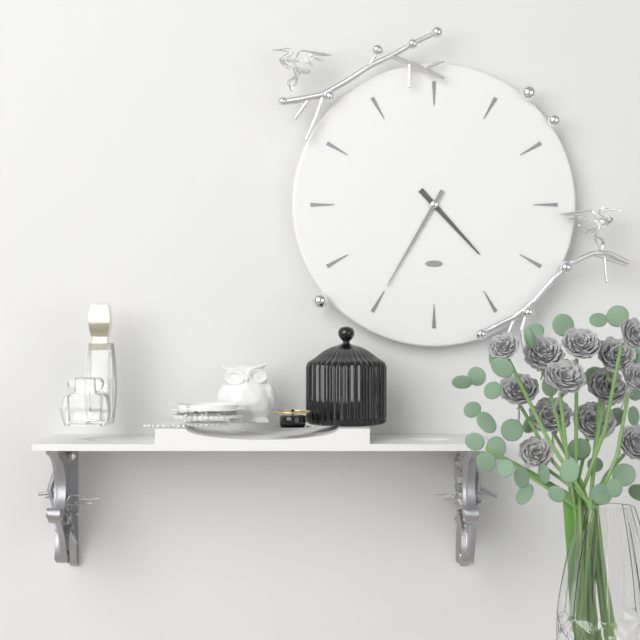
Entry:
h=4 m=35
